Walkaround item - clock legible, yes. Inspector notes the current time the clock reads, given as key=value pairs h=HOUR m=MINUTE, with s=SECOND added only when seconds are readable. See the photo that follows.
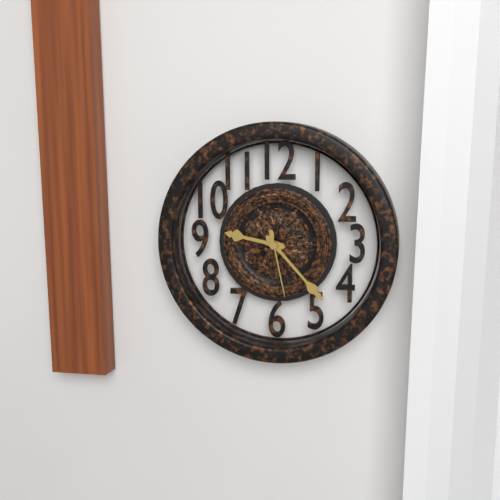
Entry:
h=9 m=23 s=28
